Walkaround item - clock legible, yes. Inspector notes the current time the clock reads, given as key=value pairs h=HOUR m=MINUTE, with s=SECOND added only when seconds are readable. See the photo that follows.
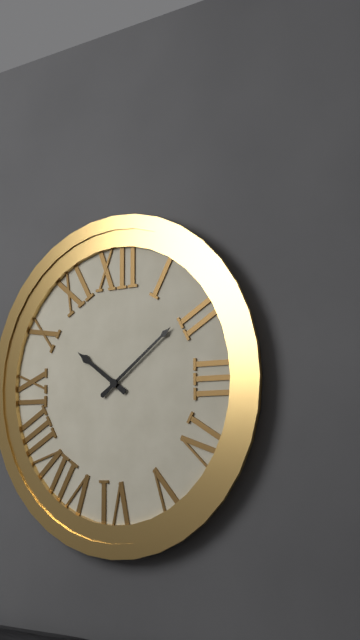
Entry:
h=10 m=9
